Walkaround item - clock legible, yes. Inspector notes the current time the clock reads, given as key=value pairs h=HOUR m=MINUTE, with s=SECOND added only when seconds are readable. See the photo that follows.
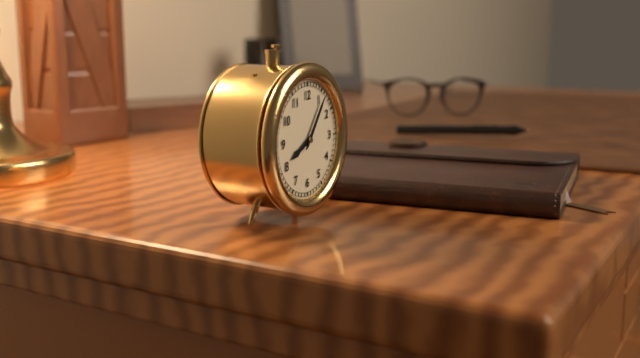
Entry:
h=8 m=6
